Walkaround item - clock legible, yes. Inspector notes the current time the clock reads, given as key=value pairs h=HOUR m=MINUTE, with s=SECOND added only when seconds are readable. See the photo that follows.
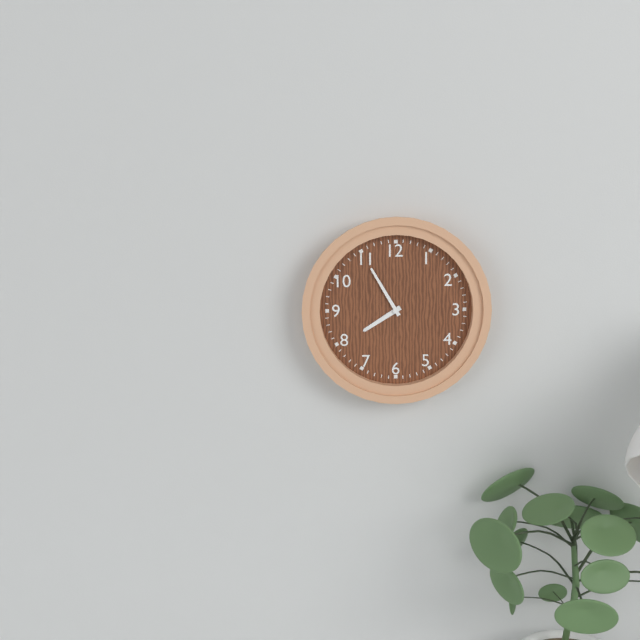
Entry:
h=7 m=55
